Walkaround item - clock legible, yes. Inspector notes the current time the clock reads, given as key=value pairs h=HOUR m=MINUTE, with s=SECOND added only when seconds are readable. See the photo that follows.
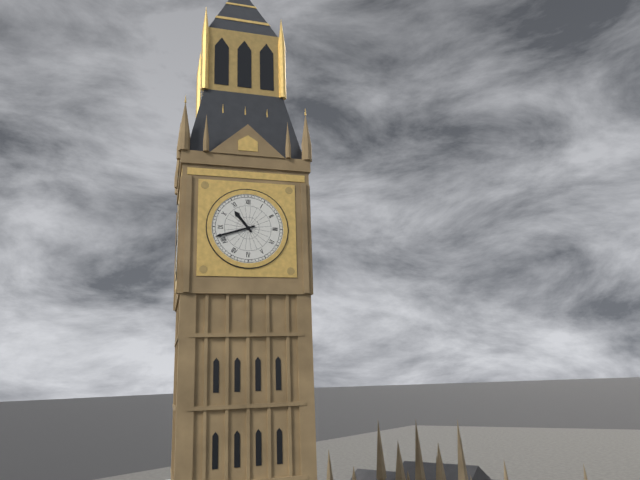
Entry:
h=10 m=42
